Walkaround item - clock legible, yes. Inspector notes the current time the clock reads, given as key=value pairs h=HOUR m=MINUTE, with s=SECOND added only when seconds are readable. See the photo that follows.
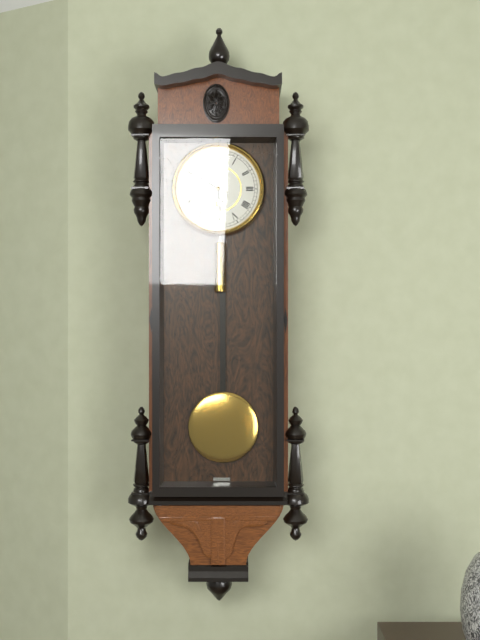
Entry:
h=5 m=50
